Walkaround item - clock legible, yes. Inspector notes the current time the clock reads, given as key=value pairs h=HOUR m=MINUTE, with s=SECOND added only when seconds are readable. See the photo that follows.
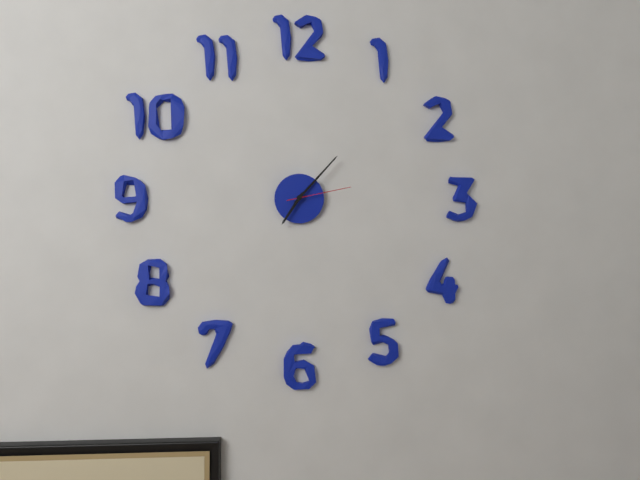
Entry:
h=7 m=7 s=13
